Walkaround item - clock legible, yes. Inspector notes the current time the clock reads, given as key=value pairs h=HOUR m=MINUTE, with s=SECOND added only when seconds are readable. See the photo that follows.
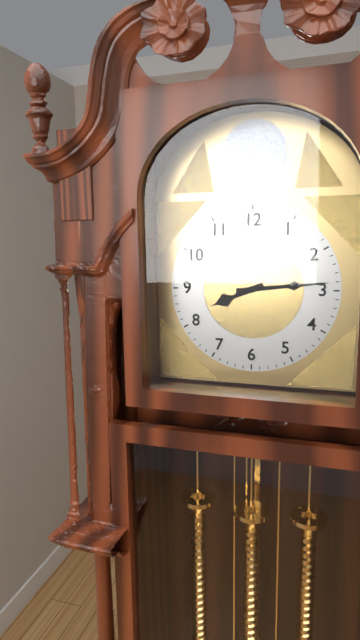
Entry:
h=8 m=14
